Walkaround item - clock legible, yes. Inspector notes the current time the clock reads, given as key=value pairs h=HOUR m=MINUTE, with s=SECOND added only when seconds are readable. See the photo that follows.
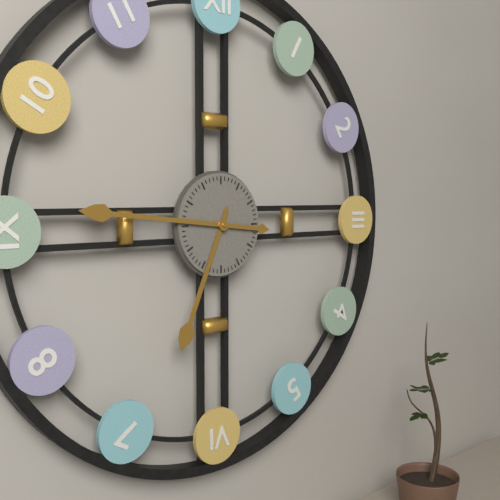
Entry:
h=6 m=46
